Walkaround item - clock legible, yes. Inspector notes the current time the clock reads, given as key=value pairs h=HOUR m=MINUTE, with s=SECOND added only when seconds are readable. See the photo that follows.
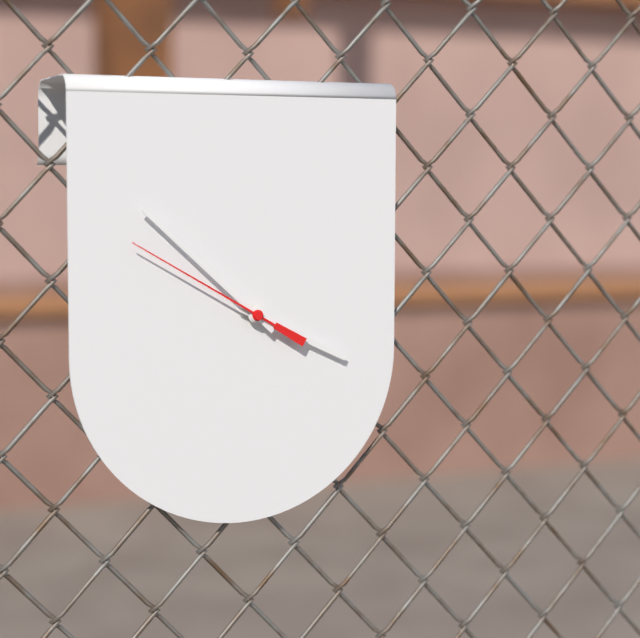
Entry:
h=3 m=52 s=50
